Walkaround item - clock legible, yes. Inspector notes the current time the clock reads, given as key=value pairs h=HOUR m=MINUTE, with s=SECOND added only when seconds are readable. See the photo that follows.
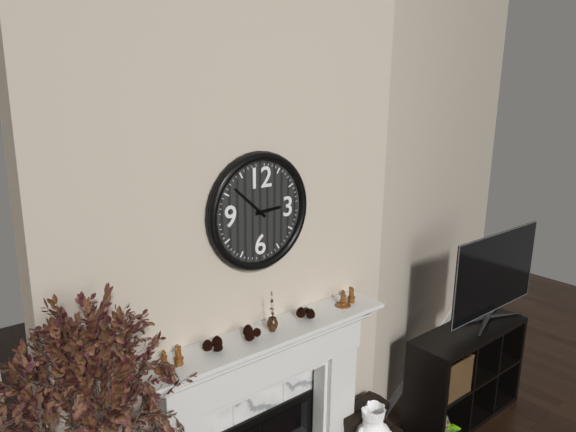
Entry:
h=2 m=52
